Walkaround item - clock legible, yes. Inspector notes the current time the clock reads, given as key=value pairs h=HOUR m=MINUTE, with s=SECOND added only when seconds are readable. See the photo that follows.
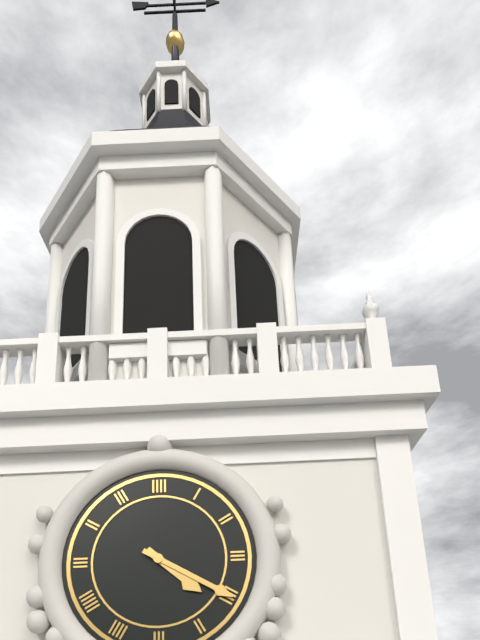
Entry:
h=4 m=20
